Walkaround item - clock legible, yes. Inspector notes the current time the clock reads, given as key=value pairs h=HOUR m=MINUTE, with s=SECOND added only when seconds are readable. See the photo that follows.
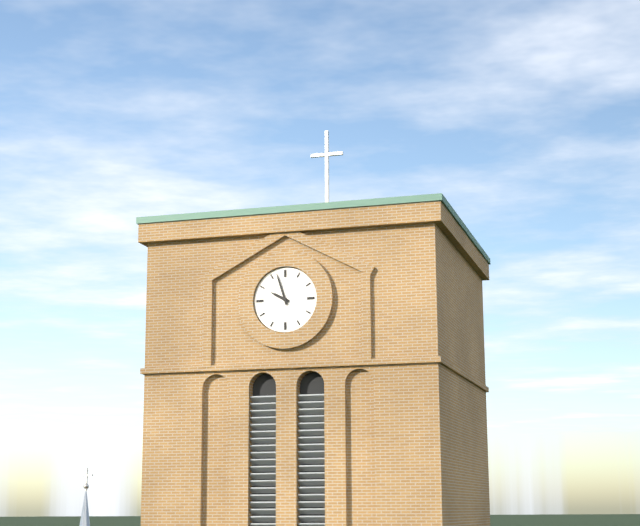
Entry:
h=9 m=57
